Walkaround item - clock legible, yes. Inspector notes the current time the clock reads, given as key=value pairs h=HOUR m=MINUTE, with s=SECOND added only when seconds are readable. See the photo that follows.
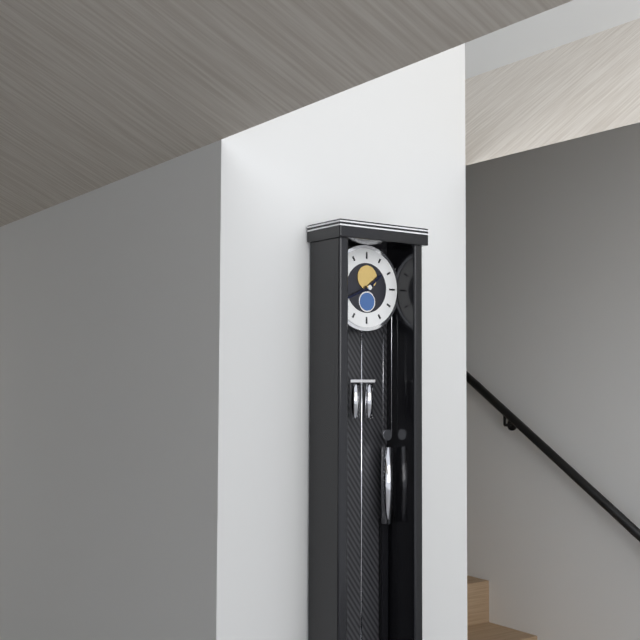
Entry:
h=1 m=41
